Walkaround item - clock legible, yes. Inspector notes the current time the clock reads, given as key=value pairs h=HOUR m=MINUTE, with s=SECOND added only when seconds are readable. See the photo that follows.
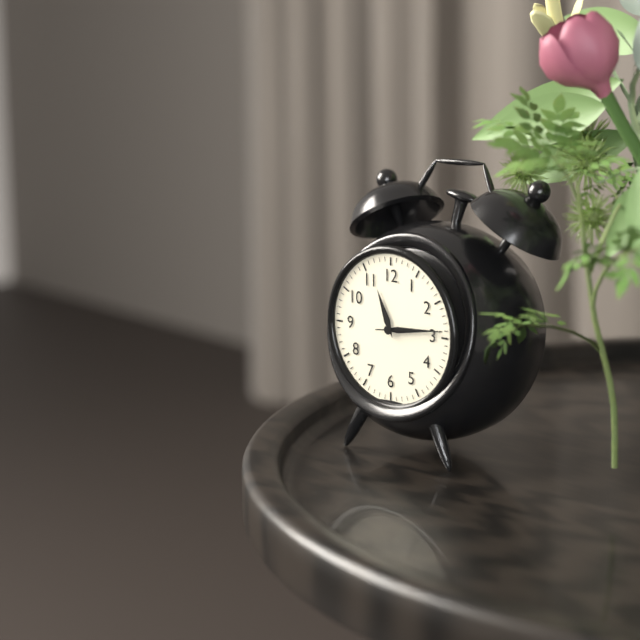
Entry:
h=11 m=14 s=14
